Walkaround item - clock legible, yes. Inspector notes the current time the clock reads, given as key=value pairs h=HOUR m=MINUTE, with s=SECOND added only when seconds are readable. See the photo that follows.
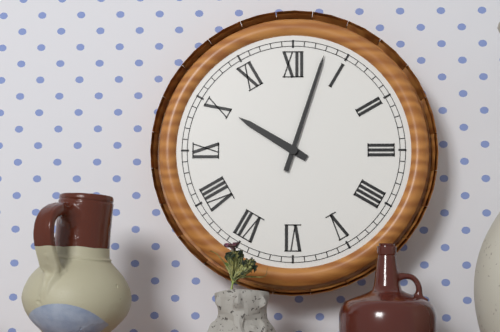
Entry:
h=10 m=3
